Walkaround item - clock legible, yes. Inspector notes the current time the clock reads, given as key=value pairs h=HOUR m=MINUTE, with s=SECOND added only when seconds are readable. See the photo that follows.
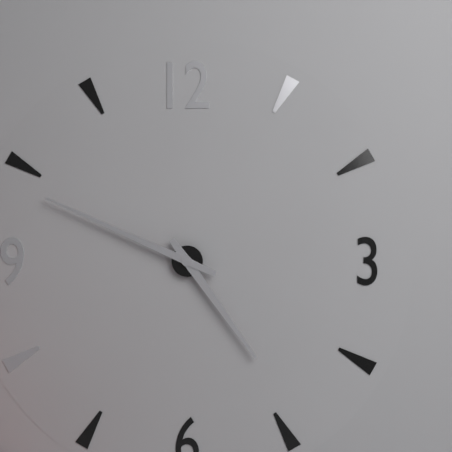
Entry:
h=4 m=49
